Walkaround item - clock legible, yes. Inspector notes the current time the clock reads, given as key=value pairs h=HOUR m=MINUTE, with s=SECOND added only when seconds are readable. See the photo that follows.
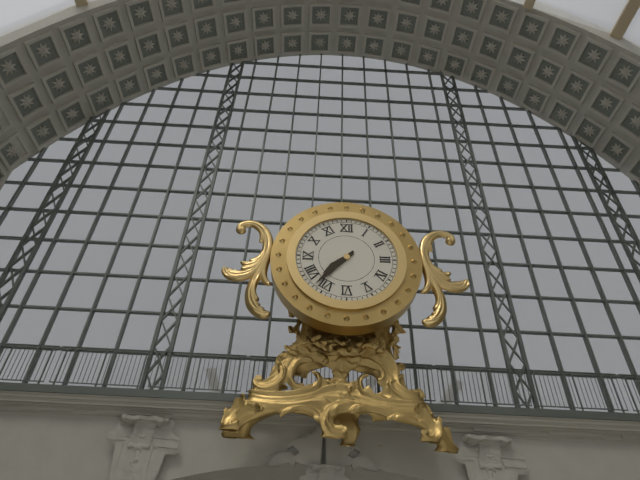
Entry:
h=7 m=37
